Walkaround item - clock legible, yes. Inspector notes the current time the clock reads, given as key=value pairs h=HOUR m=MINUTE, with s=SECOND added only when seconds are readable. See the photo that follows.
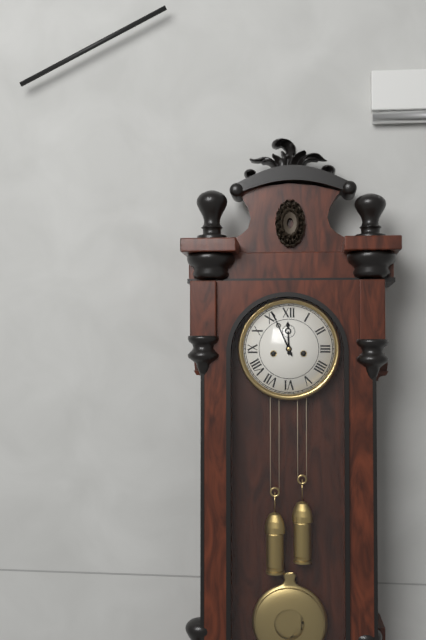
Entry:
h=11 m=56
